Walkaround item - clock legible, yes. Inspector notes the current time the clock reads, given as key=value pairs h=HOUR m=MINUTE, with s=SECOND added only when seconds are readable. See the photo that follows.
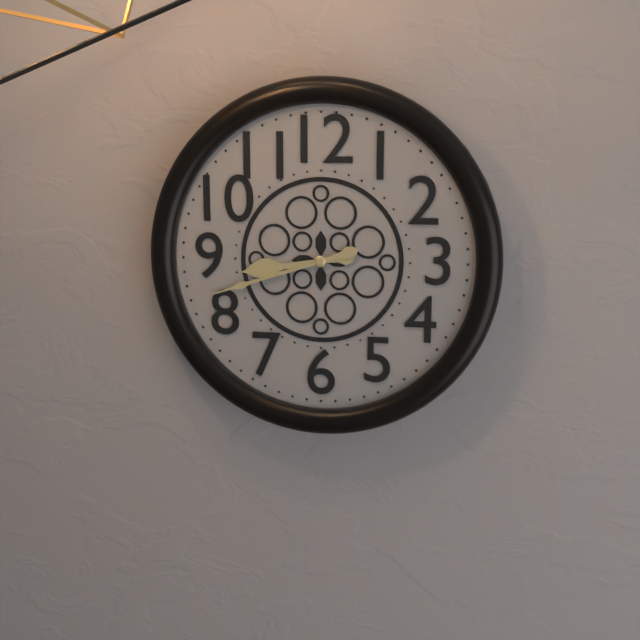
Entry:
h=8 m=42
